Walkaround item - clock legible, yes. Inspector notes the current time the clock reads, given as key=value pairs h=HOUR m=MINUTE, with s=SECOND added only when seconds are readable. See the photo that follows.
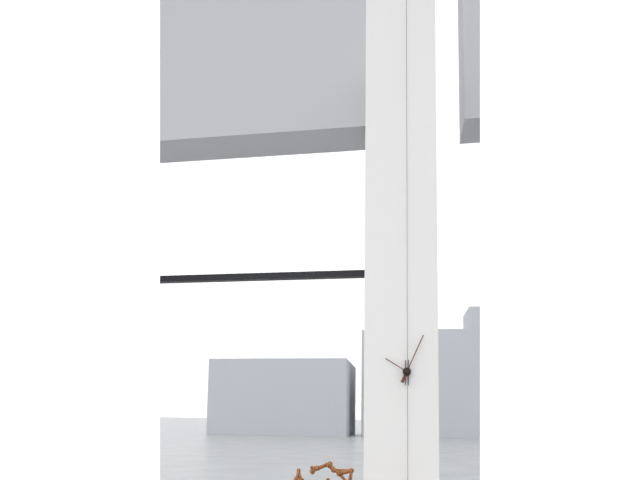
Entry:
h=10 m=4
